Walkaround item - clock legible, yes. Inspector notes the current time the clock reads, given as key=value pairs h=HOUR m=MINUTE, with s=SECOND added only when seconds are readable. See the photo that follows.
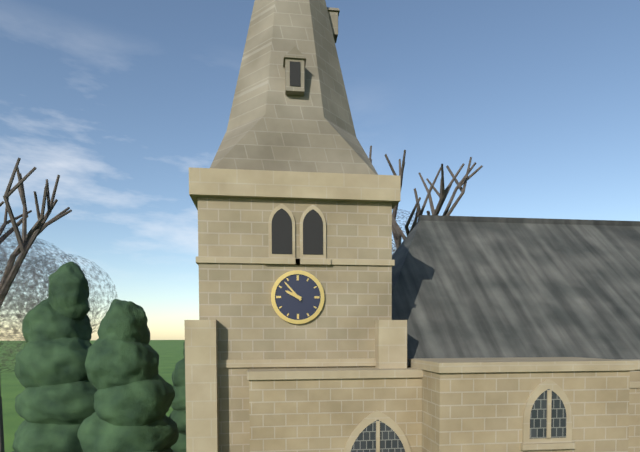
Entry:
h=9 m=53
